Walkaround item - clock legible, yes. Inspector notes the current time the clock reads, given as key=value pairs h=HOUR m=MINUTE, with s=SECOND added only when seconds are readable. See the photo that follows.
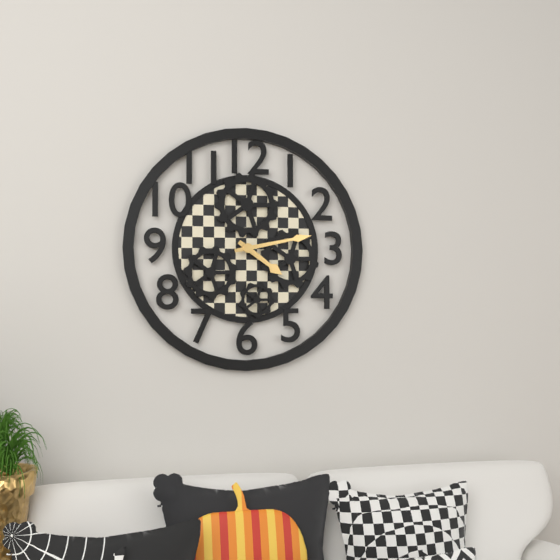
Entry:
h=4 m=13
